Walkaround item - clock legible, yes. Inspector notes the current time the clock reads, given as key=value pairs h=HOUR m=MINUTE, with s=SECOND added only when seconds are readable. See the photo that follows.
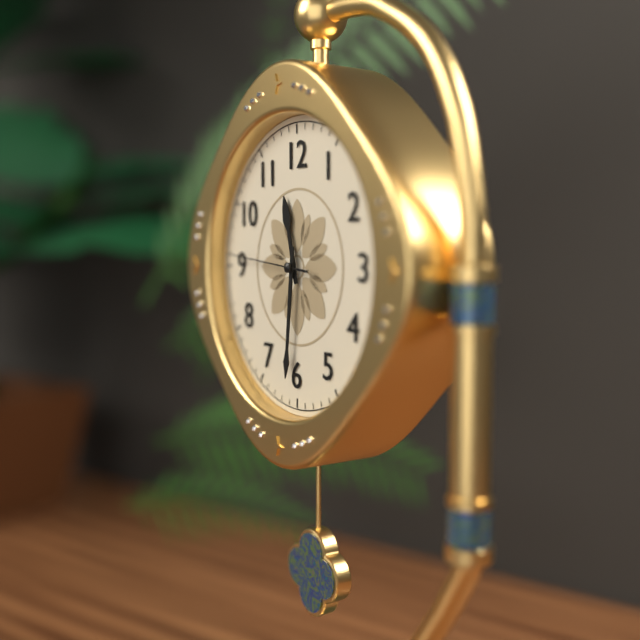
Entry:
h=11 m=31 s=46
